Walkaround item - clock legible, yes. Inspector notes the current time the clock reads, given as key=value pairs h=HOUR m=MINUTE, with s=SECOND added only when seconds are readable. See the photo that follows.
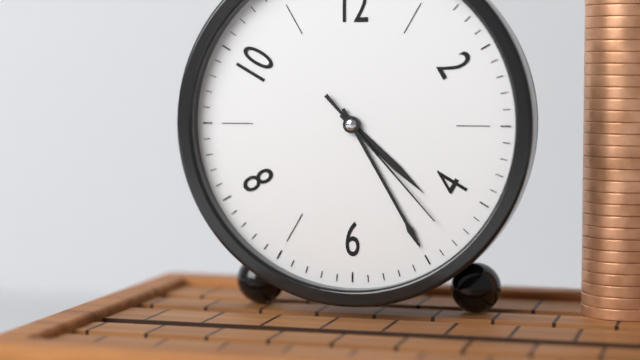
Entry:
h=4 m=25 s=23
